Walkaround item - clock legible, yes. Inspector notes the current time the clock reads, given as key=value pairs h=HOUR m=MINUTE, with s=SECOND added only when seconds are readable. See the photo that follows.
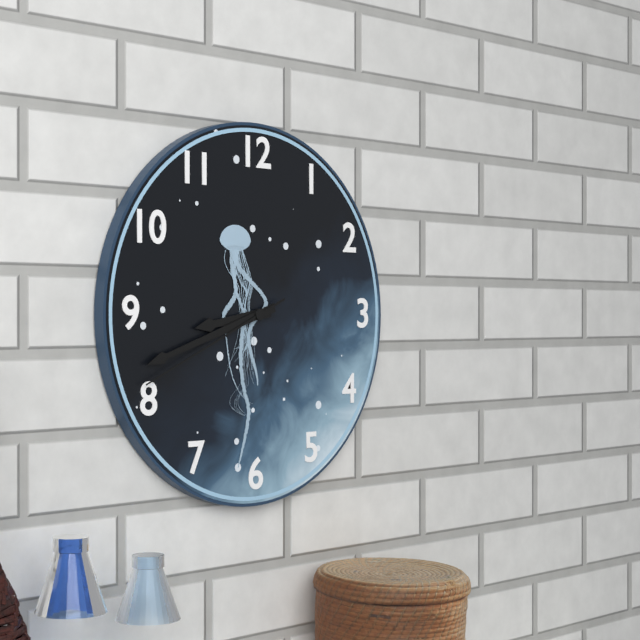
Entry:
h=8 m=42 s=41
